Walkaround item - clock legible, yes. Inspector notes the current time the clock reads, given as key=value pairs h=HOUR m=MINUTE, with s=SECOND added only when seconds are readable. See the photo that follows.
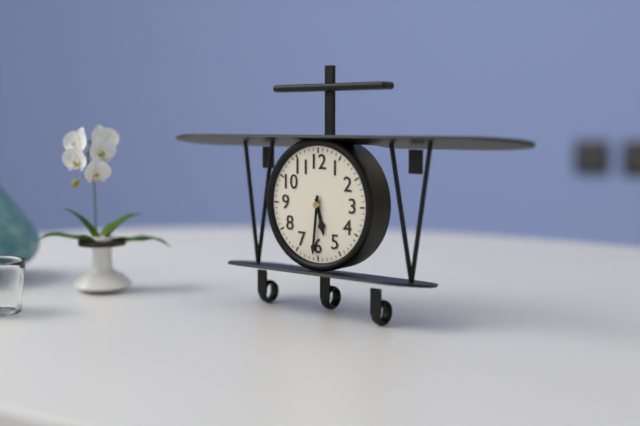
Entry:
h=5 m=31
